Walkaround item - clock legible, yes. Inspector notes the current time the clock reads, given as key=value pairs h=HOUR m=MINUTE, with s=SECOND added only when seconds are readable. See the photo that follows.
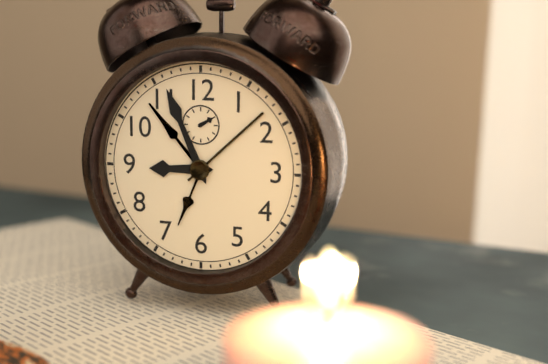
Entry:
h=8 m=56
